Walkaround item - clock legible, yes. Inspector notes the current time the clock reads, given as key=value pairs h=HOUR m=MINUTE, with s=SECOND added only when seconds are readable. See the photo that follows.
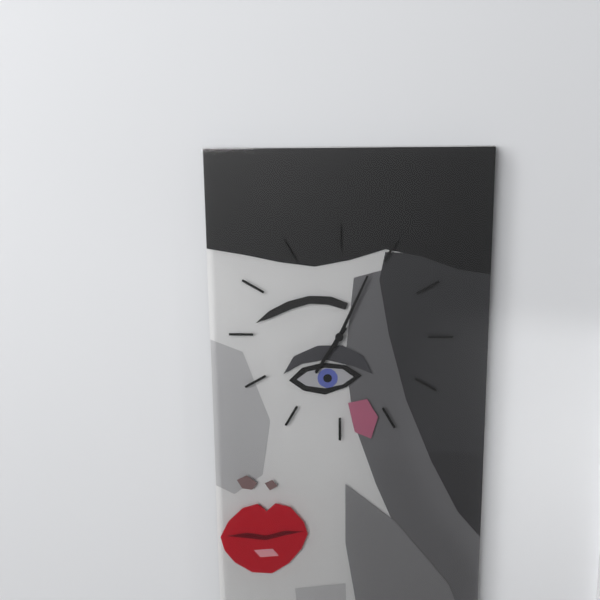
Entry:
h=7 m=4
